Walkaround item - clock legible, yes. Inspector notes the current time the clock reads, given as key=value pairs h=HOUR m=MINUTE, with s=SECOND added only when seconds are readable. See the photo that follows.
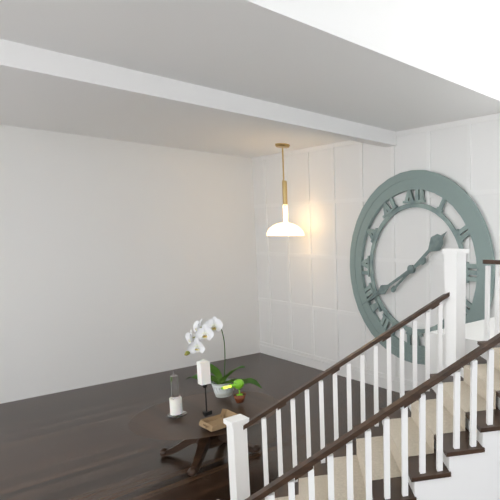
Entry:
h=1 m=40
